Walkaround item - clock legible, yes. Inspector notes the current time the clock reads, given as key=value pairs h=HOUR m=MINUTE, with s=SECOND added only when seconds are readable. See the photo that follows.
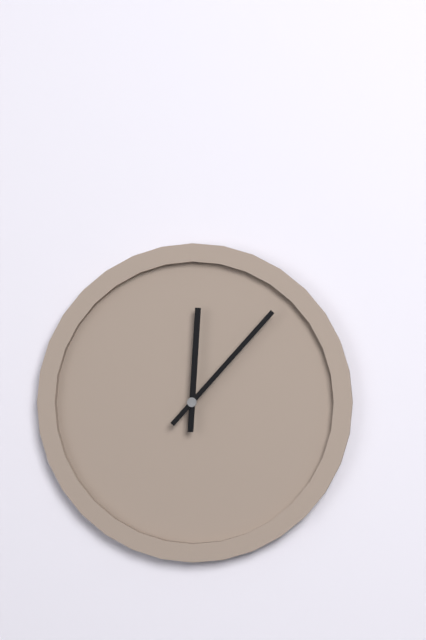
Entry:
h=12 m=7
